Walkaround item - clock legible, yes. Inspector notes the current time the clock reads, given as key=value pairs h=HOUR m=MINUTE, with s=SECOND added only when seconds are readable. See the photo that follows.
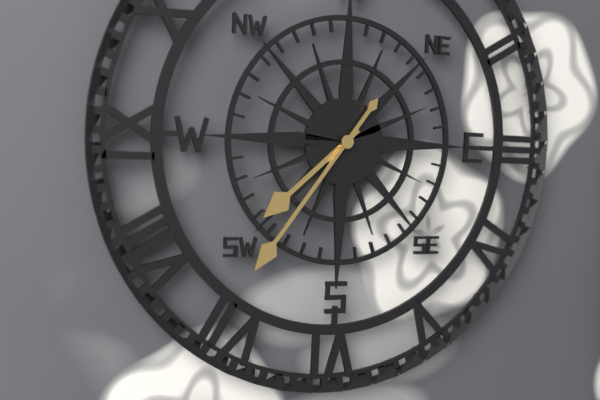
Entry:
h=7 m=36
